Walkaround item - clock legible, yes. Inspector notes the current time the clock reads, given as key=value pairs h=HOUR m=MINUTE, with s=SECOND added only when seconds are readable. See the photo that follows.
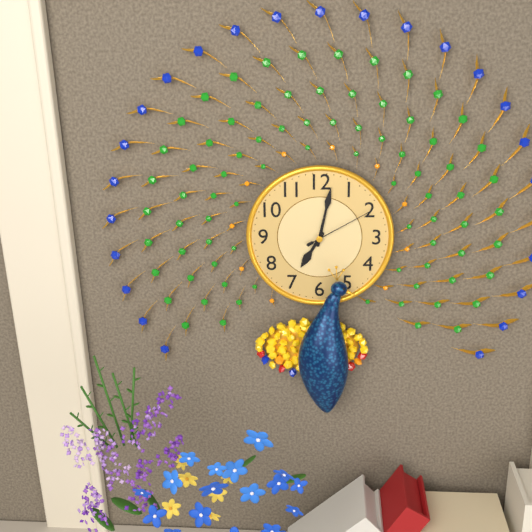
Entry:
h=7 m=2 s=10
